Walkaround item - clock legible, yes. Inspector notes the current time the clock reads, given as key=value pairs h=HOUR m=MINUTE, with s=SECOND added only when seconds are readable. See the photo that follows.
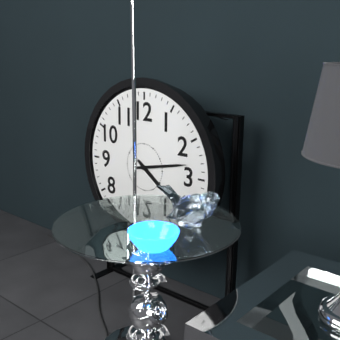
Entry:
h=4 m=13
